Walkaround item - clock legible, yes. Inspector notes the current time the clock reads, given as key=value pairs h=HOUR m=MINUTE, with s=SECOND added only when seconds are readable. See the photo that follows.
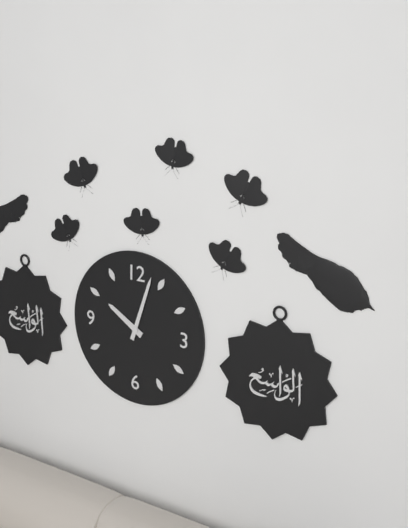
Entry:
h=10 m=3
